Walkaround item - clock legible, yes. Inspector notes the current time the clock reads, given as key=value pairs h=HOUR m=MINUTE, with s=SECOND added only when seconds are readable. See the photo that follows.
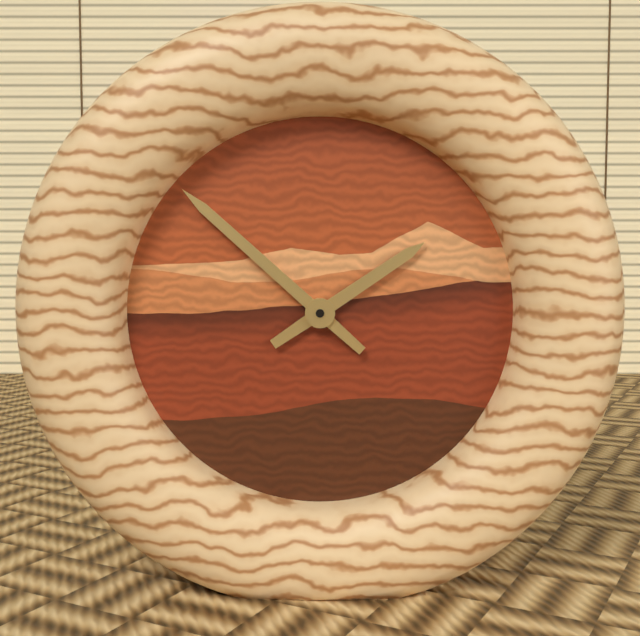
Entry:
h=1 m=52
